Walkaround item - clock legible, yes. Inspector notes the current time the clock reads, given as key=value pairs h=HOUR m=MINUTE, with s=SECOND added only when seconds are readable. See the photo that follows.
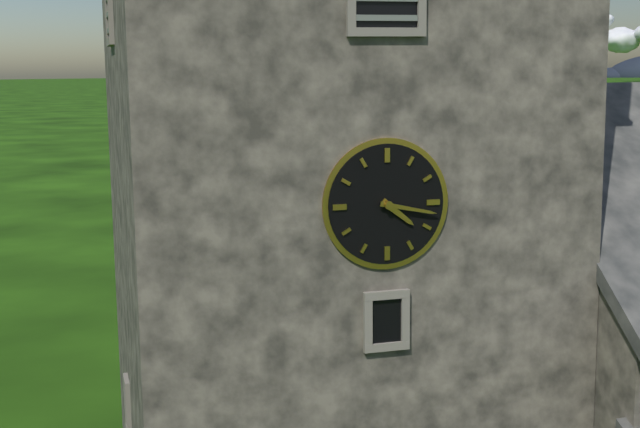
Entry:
h=4 m=17
